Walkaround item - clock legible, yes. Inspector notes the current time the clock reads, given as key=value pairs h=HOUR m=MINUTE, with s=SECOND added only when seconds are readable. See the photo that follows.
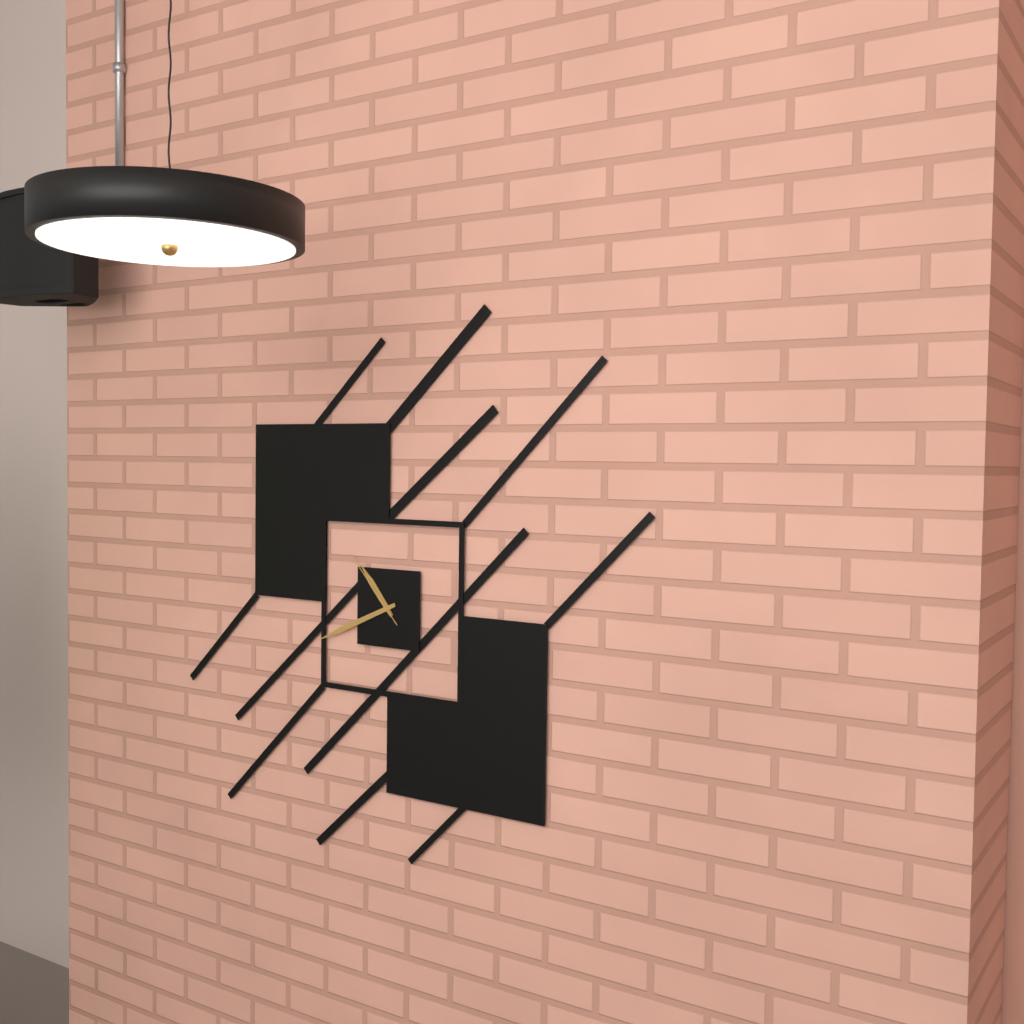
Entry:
h=10 m=41 s=53
